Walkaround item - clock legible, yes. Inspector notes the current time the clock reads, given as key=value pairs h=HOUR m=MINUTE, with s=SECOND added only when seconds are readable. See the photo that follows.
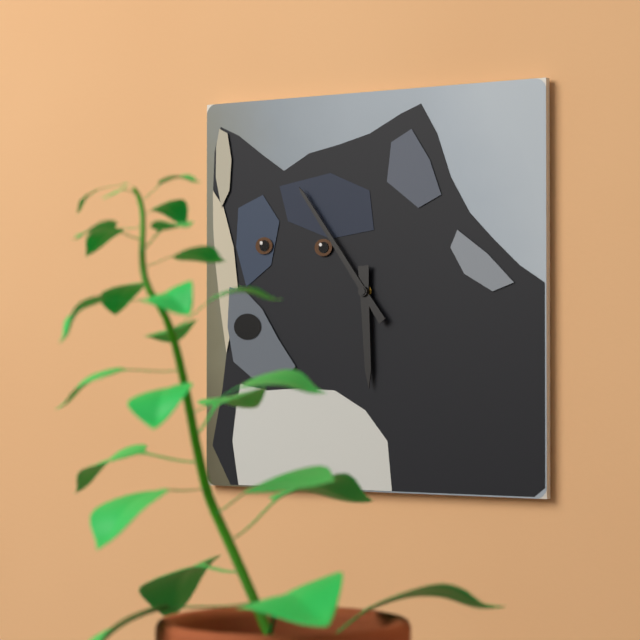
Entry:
h=5 m=54
